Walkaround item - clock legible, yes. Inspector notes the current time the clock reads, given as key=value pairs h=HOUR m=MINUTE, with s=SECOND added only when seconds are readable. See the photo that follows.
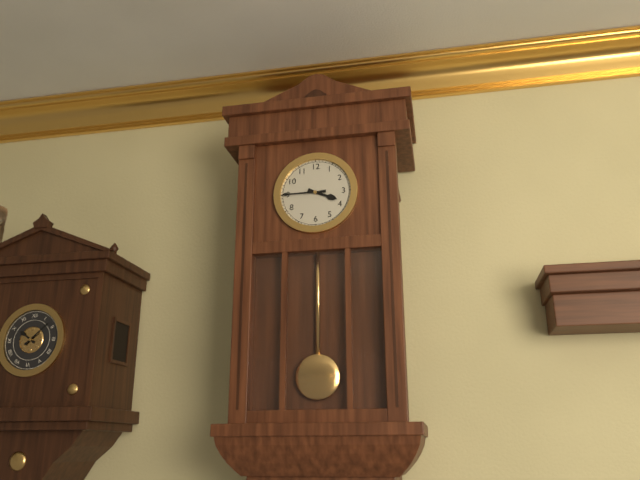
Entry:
h=3 m=45
